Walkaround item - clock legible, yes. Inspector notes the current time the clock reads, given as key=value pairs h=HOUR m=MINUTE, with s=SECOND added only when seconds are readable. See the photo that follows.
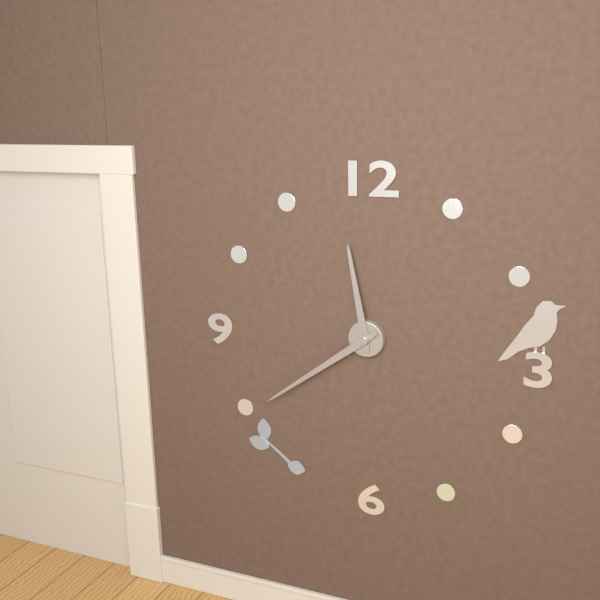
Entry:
h=11 m=39
